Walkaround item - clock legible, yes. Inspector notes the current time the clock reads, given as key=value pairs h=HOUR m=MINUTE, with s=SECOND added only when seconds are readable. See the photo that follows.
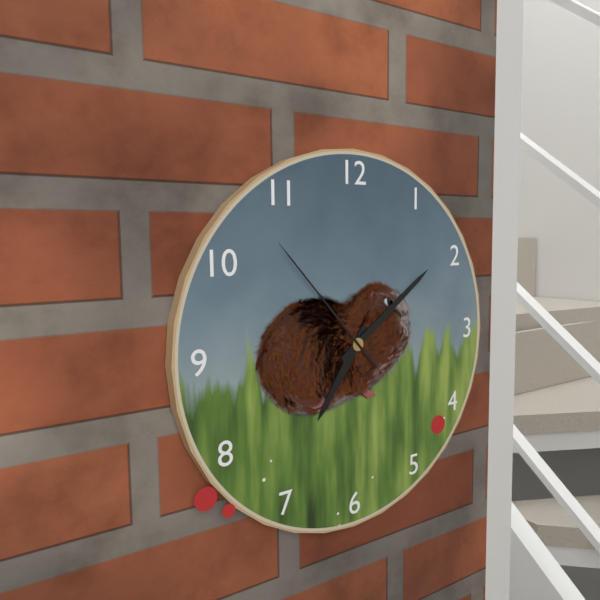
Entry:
h=7 m=9 s=53
